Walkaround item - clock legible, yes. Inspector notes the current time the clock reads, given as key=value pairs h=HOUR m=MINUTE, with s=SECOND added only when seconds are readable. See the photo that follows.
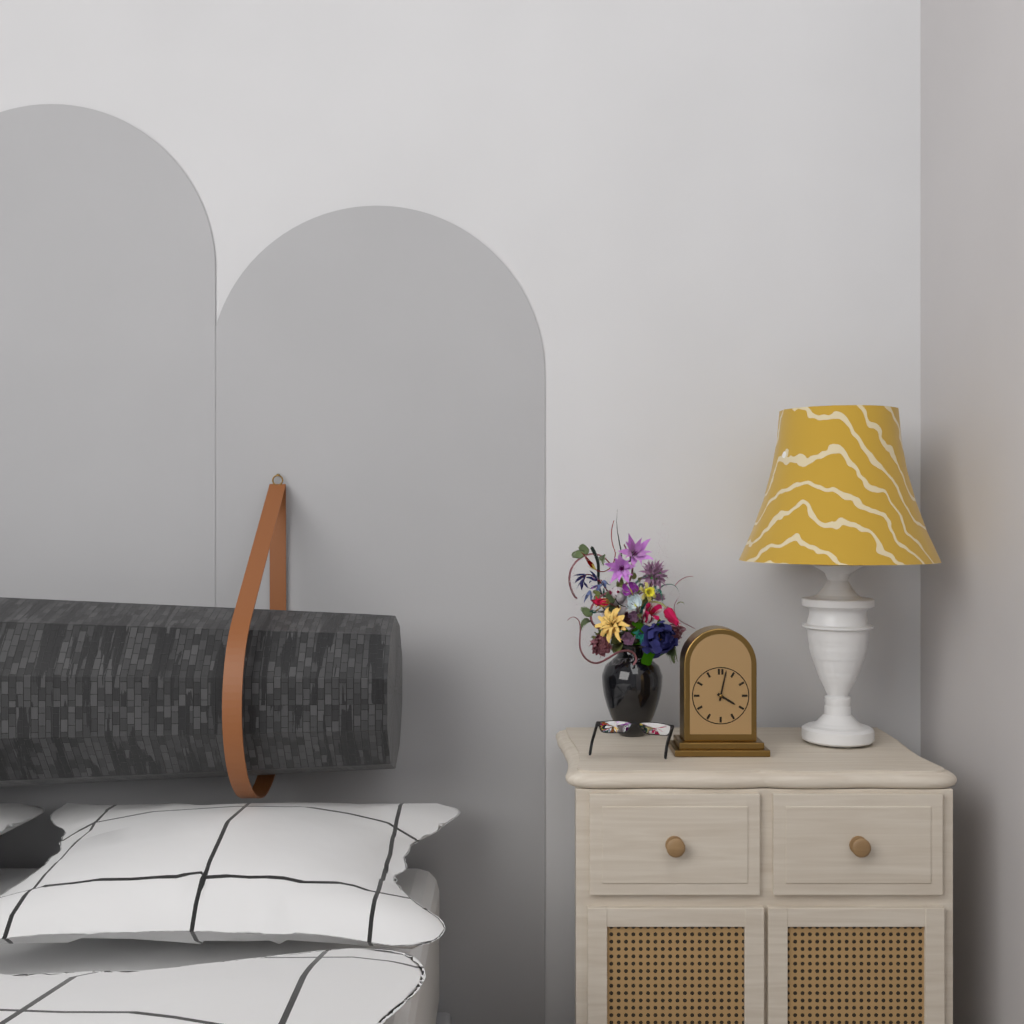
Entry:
h=4 m=2
